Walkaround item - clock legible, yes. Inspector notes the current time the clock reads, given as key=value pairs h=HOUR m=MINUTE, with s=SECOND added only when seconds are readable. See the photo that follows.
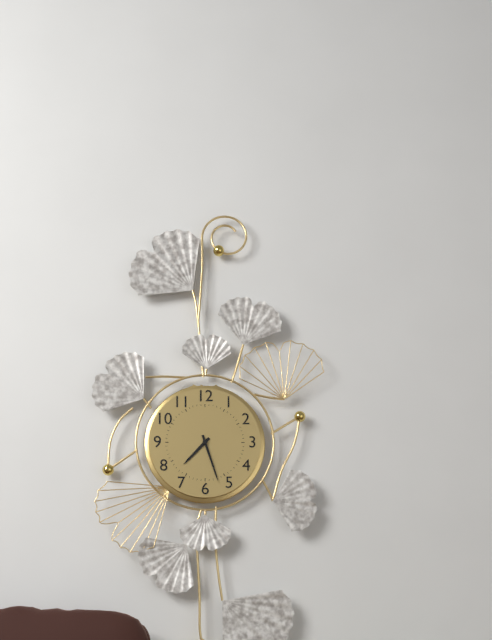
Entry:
h=7 m=27
